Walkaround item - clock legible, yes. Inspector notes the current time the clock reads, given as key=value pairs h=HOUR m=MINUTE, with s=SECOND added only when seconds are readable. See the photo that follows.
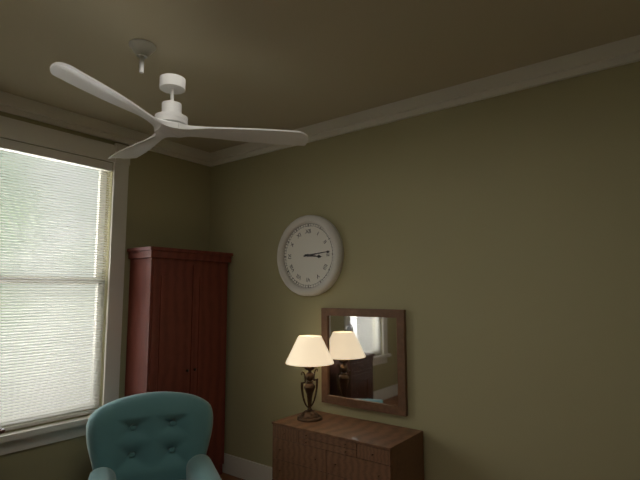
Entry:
h=3 m=14
